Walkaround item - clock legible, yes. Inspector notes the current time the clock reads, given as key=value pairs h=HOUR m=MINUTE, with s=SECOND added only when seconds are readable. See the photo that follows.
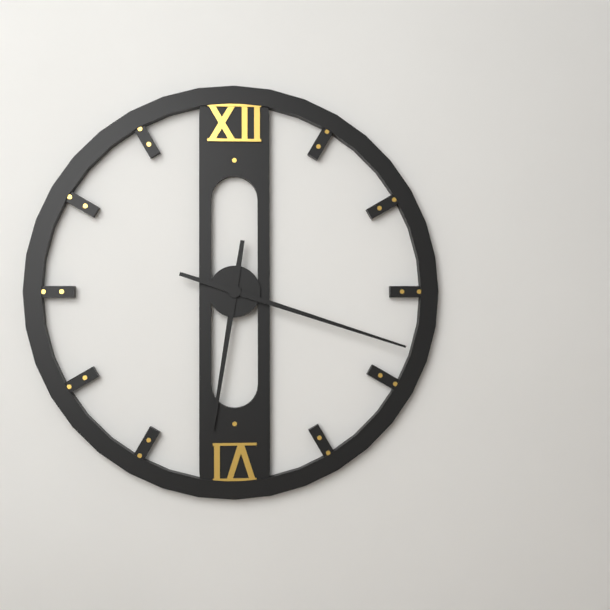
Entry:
h=6 m=18
